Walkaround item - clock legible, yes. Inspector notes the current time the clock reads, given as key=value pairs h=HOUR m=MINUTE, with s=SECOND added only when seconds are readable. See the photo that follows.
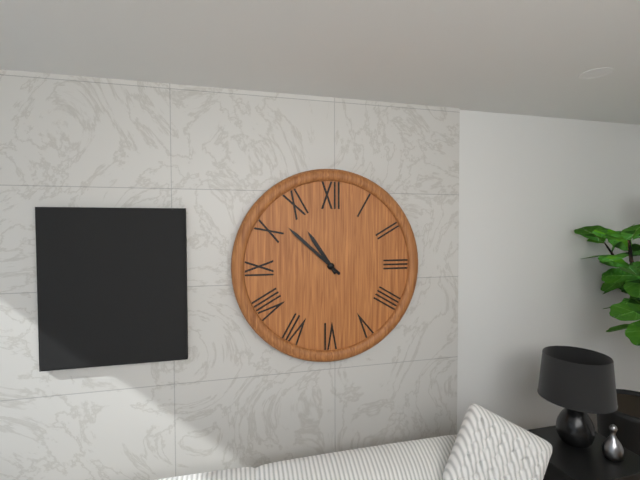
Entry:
h=10 m=52
